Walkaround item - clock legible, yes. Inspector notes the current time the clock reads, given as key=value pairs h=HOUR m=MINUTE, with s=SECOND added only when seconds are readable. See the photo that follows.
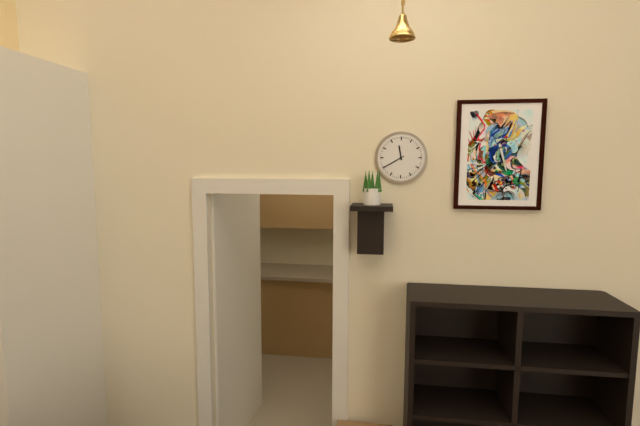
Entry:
h=11 m=40
